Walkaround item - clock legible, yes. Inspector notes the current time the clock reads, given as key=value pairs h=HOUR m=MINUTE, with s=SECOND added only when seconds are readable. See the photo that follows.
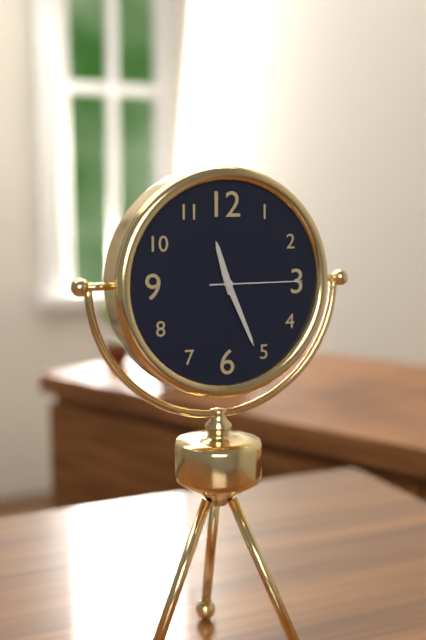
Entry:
h=11 m=26 s=15
